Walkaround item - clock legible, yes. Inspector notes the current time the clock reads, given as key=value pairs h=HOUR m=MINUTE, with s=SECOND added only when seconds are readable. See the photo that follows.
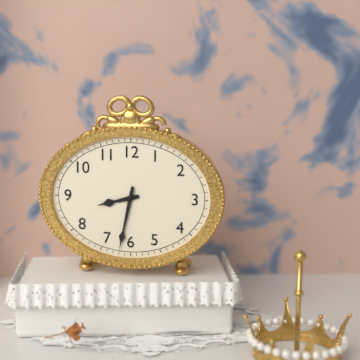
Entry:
h=8 m=32
